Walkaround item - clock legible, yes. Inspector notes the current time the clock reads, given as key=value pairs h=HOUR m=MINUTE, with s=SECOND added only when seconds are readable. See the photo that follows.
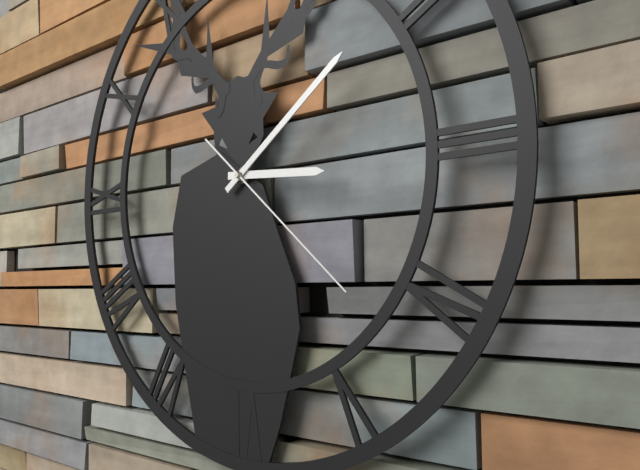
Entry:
h=3 m=9 s=22
